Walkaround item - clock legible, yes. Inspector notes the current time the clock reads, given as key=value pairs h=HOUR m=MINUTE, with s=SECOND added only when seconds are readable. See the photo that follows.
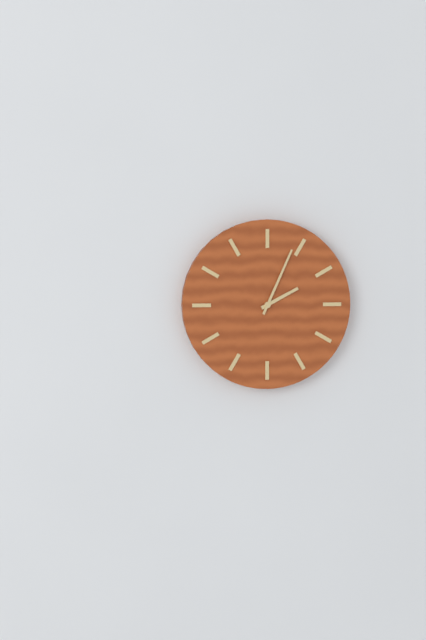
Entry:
h=2 m=4
